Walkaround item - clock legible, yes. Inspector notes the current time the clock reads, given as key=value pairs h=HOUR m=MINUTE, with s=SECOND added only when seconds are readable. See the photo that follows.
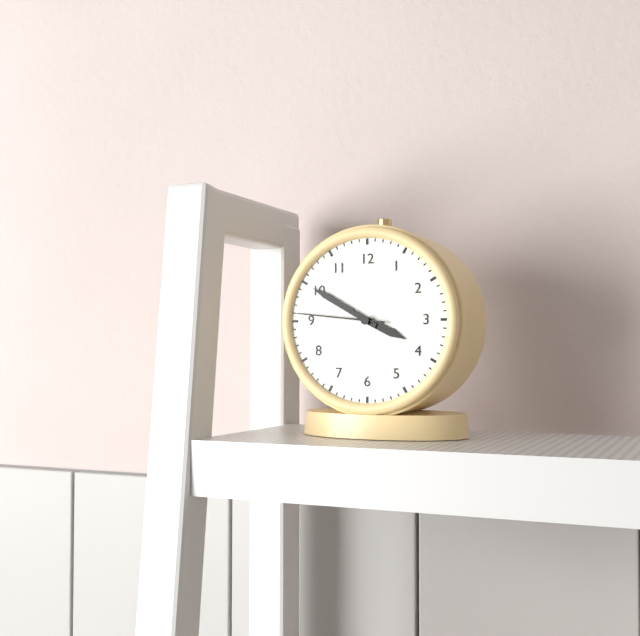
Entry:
h=3 m=50 s=46
